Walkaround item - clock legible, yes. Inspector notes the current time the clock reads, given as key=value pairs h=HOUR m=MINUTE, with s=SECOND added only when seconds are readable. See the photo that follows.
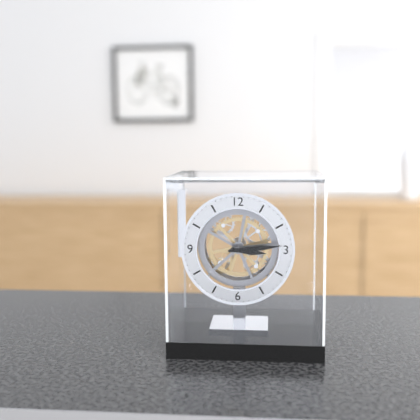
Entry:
h=3 m=14
